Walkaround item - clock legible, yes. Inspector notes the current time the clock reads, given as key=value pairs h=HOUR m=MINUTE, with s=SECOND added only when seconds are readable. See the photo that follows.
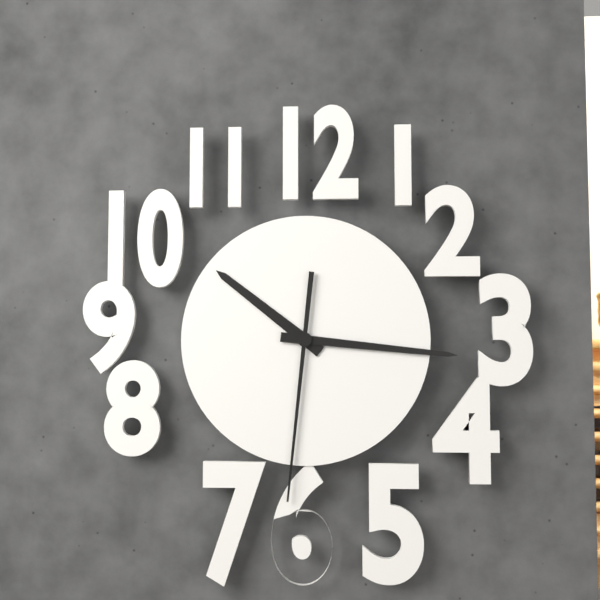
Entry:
h=10 m=16 s=31
